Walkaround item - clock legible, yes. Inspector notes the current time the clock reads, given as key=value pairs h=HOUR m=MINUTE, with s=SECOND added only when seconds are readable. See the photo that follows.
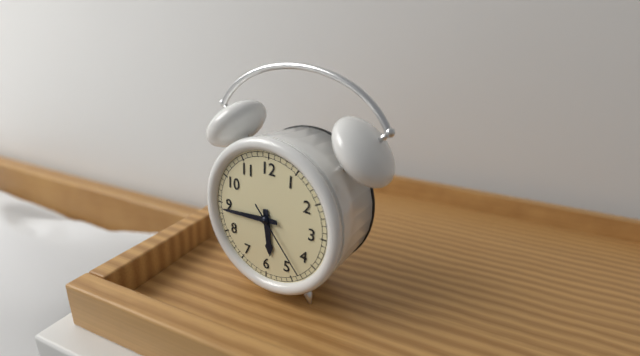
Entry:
h=5 m=44 s=23
